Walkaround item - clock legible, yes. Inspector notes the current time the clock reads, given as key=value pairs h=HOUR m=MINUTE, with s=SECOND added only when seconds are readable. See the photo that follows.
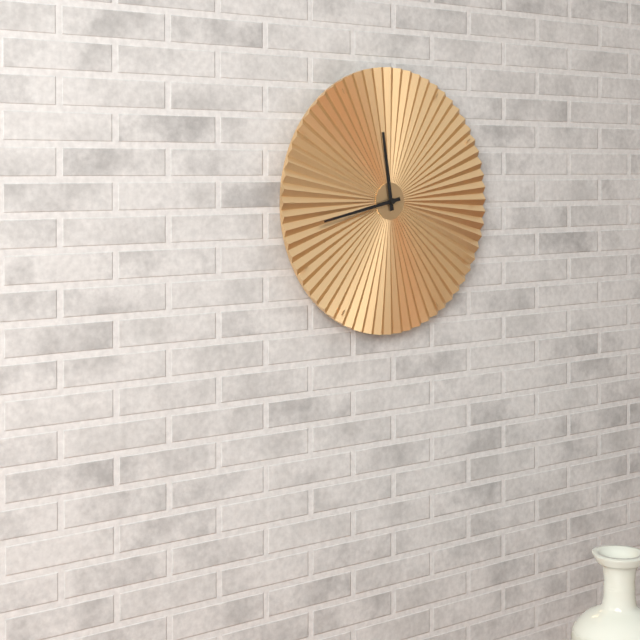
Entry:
h=11 m=43
